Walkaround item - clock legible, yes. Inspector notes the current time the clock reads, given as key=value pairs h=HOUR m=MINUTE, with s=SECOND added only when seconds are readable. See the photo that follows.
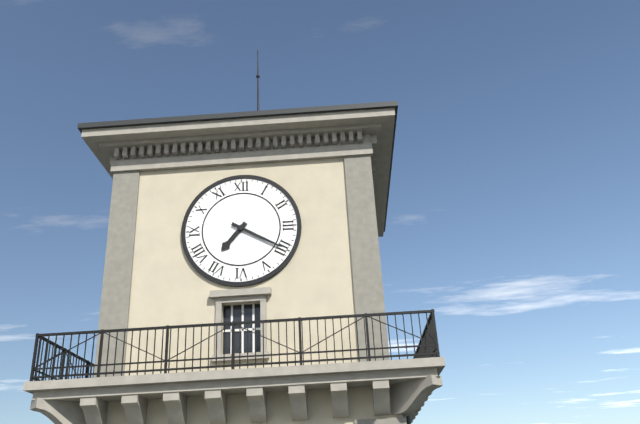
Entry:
h=7 m=20
